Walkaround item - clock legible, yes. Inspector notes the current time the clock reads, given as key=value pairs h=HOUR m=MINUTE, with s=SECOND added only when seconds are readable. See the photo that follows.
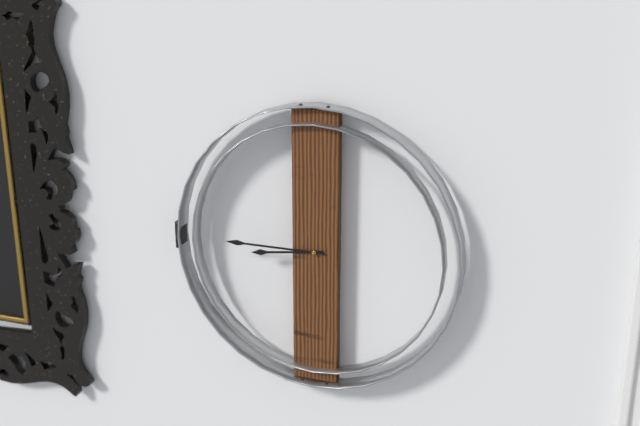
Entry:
h=8 m=45
